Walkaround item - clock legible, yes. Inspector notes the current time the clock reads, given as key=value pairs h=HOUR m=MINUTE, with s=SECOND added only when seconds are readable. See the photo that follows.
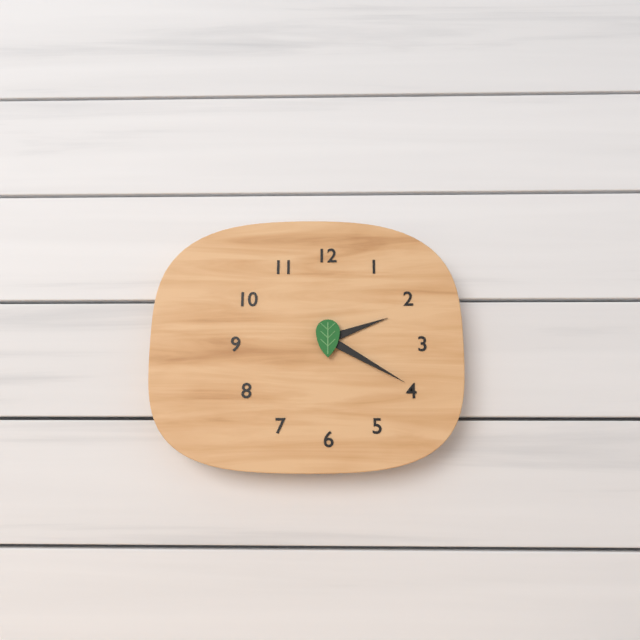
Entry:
h=2 m=20
